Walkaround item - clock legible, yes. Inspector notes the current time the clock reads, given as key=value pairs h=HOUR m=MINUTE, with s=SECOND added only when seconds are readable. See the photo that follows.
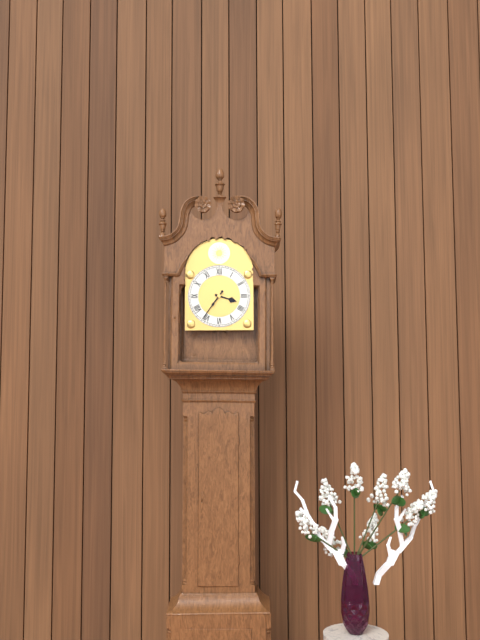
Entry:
h=3 m=36
